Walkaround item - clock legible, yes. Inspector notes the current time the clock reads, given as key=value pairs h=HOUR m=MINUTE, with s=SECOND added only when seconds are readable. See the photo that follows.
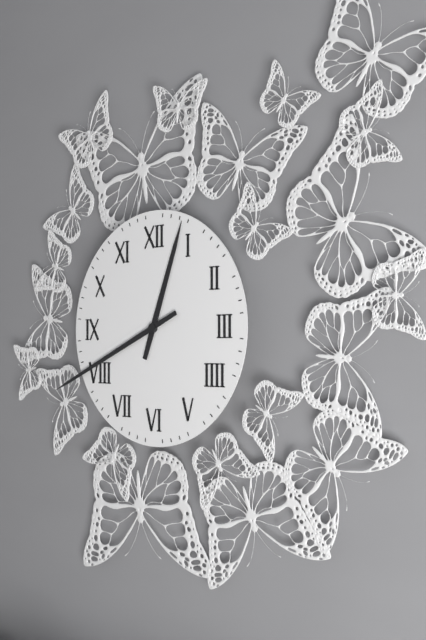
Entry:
h=12 m=41
